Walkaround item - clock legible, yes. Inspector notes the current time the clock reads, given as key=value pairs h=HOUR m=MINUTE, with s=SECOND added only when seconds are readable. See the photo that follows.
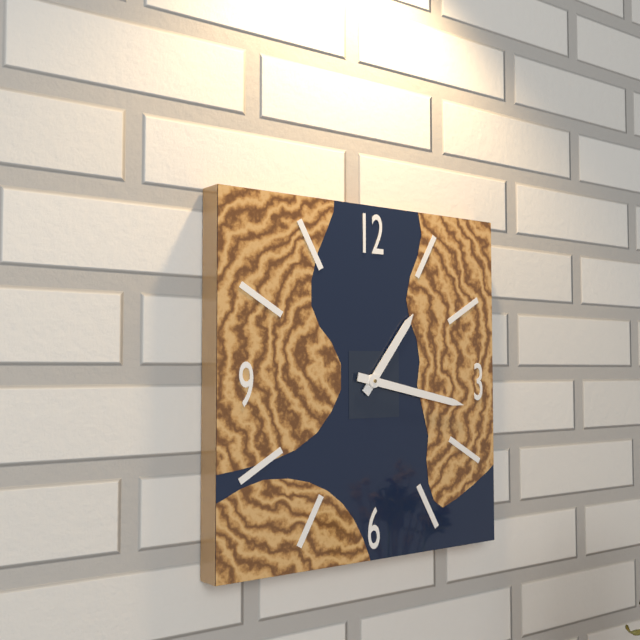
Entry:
h=1 m=17
